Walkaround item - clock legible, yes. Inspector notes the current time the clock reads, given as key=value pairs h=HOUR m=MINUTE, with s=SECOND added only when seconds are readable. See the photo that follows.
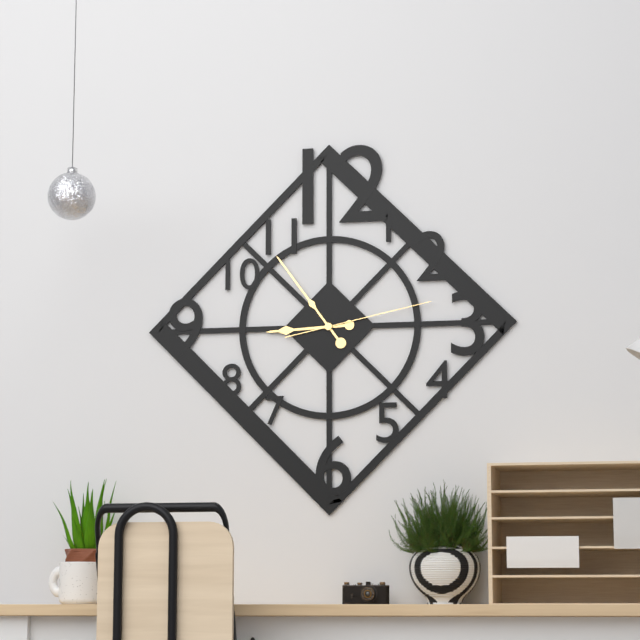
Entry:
h=8 m=54 s=13
